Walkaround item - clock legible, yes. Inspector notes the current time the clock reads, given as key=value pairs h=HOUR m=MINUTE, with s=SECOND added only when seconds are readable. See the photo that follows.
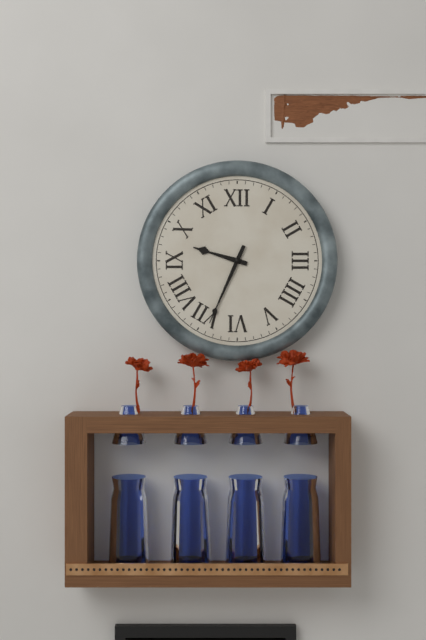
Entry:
h=9 m=34
